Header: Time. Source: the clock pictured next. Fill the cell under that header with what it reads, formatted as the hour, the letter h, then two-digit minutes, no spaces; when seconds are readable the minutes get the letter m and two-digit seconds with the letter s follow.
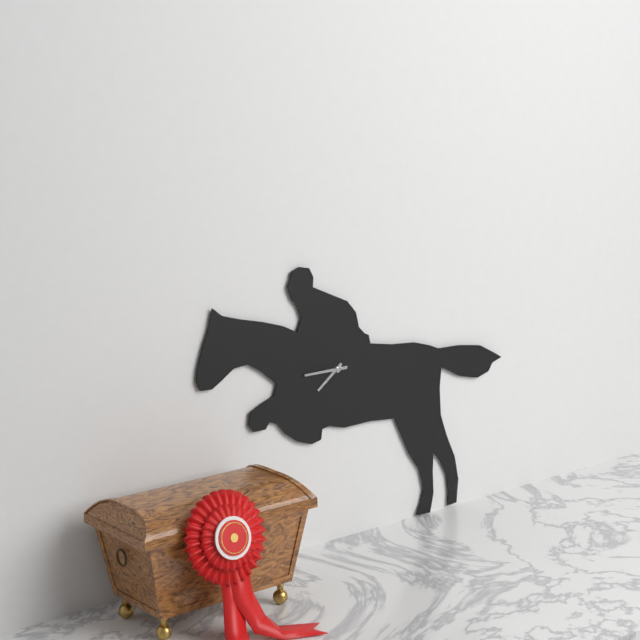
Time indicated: 7h45
